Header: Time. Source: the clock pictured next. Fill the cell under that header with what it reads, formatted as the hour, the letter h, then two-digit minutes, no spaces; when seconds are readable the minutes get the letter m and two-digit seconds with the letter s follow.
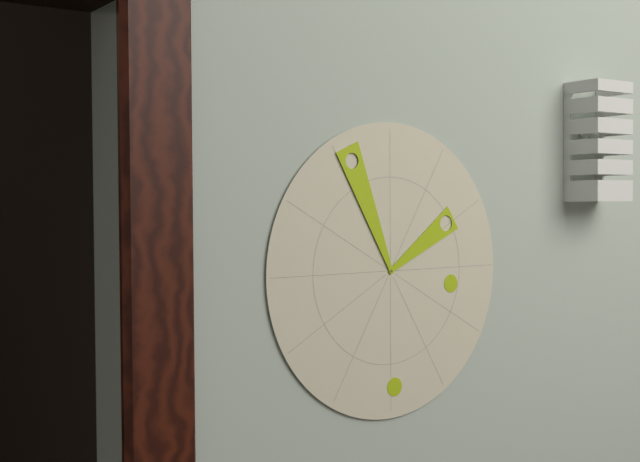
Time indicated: 1h56
